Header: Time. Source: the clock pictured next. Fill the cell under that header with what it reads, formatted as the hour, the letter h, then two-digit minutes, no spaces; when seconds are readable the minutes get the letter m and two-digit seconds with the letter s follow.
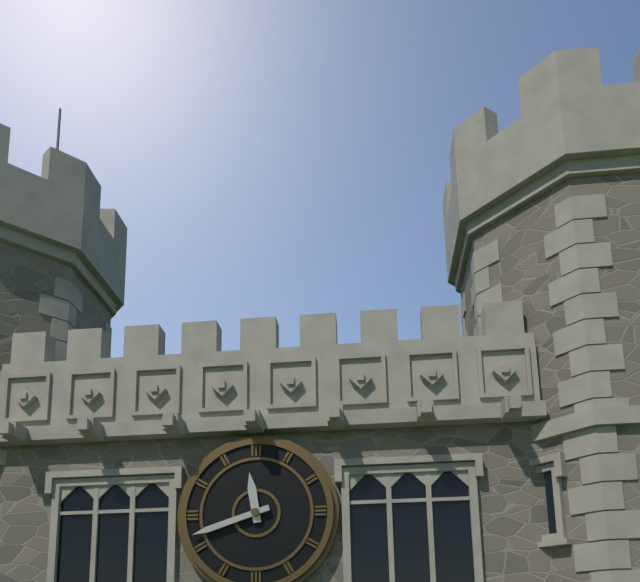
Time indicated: 11h42
